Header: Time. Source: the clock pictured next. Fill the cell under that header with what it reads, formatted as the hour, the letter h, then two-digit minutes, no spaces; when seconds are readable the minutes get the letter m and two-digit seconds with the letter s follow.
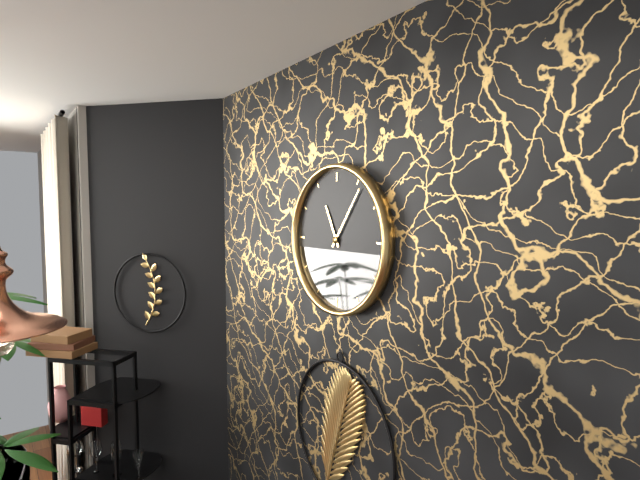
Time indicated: 11h06
